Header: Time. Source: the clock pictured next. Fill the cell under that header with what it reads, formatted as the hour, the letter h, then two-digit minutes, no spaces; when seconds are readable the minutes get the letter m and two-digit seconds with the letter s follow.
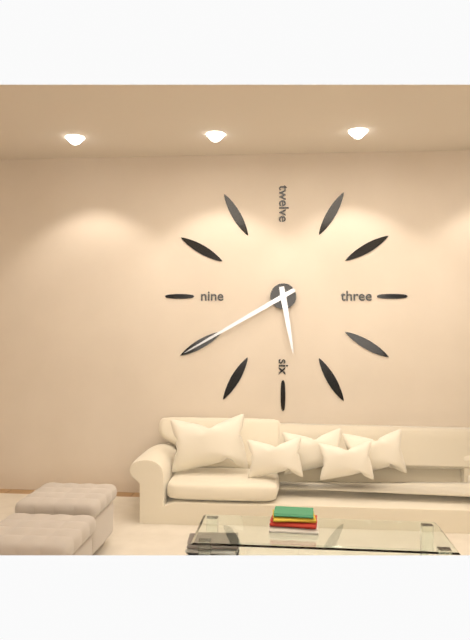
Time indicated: 5h40
